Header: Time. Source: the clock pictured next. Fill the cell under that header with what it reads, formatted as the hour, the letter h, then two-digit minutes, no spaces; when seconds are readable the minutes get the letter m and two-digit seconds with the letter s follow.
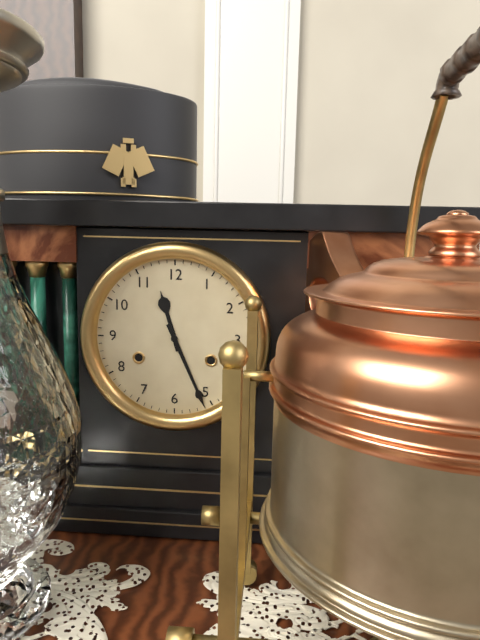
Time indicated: 11h26
